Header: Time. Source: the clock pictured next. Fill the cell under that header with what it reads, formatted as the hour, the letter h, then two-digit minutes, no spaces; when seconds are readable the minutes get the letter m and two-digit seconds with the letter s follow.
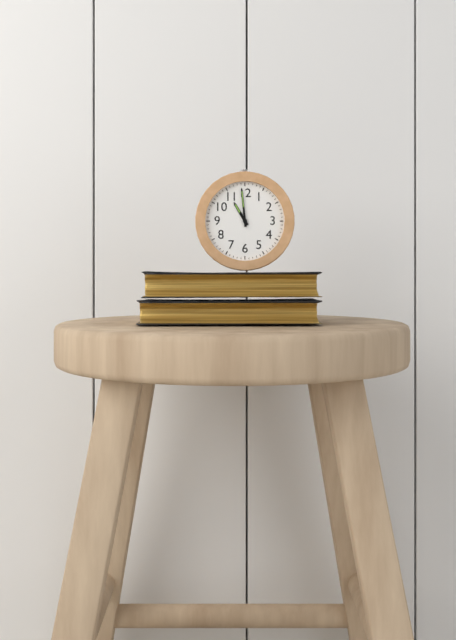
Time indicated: 10h59
